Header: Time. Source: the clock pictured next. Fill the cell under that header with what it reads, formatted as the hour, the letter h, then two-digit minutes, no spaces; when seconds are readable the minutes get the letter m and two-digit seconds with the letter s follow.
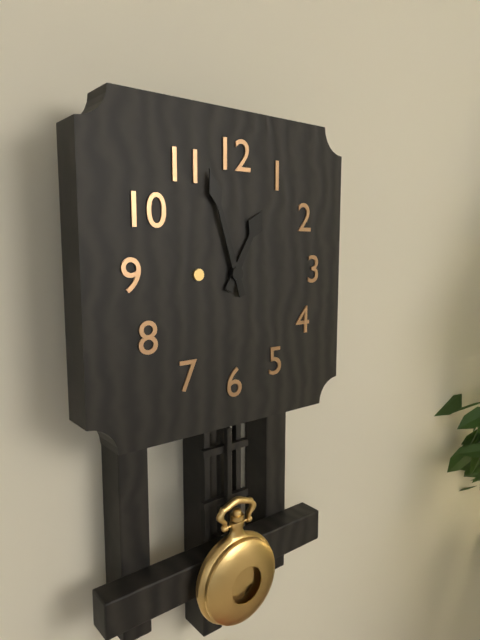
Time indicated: 12h57
